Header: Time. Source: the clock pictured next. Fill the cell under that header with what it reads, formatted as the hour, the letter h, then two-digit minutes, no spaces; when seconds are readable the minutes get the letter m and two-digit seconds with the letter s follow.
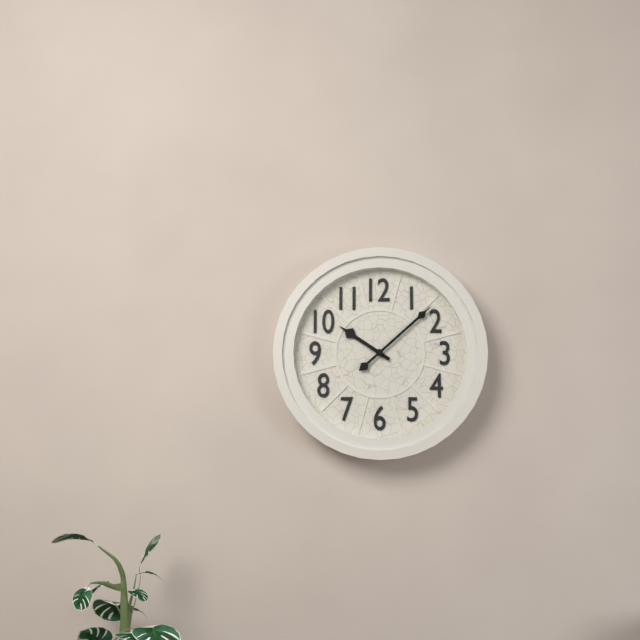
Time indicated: 10h08
